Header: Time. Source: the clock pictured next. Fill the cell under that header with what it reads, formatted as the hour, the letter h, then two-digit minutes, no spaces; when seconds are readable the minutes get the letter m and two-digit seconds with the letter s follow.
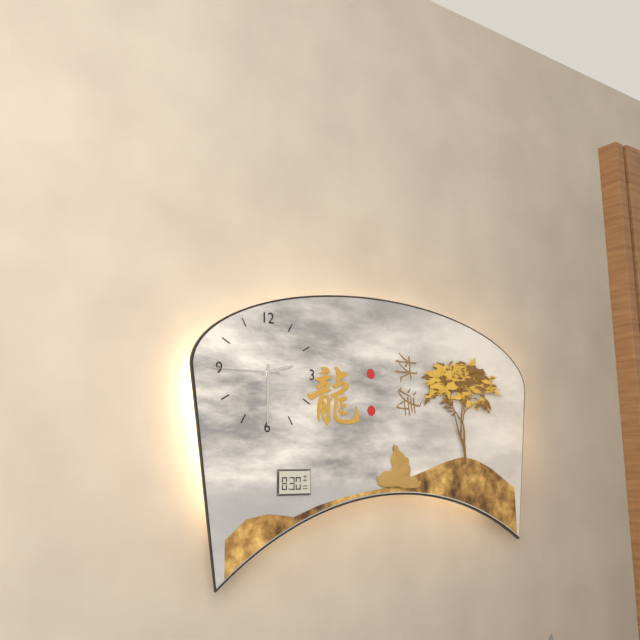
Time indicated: 2h30m45s
